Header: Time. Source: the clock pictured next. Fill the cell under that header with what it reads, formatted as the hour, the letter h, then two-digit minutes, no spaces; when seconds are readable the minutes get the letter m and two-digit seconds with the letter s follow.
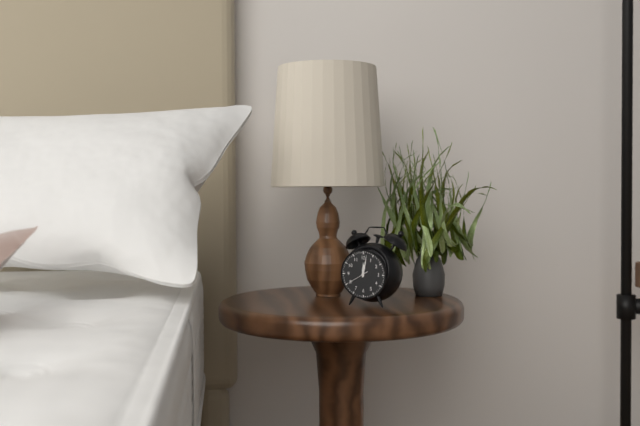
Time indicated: 12h02
